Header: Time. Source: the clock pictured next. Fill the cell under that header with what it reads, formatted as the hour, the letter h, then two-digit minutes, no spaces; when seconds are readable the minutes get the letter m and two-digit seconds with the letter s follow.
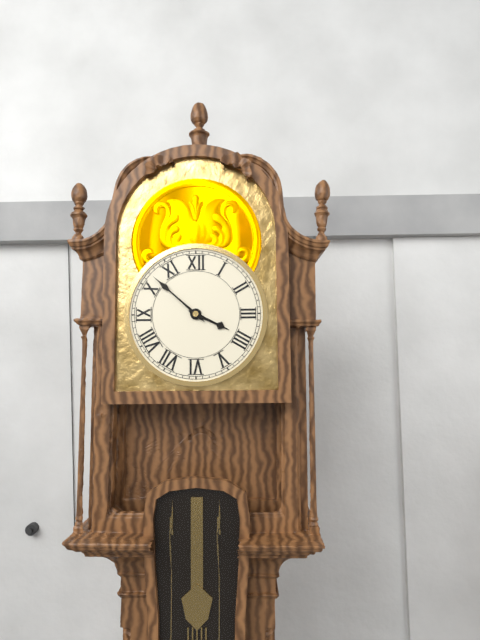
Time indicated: 3h52
